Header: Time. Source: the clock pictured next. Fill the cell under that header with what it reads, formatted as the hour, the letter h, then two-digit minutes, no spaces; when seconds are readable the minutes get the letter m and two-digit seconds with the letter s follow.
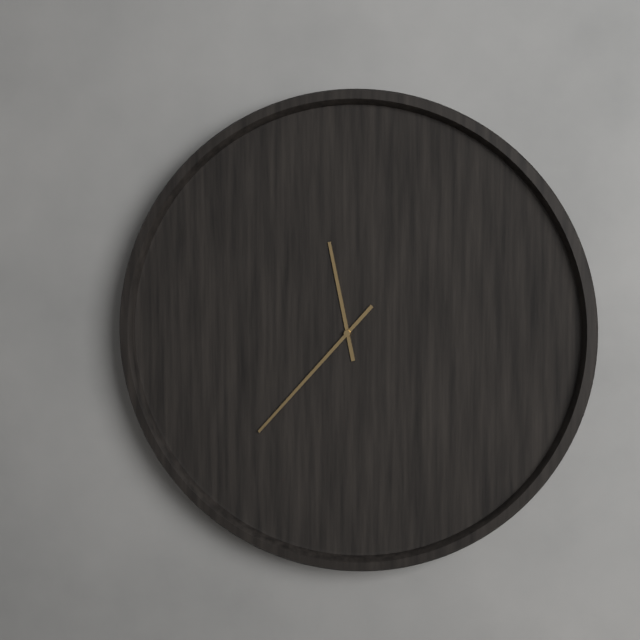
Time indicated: 11h37
